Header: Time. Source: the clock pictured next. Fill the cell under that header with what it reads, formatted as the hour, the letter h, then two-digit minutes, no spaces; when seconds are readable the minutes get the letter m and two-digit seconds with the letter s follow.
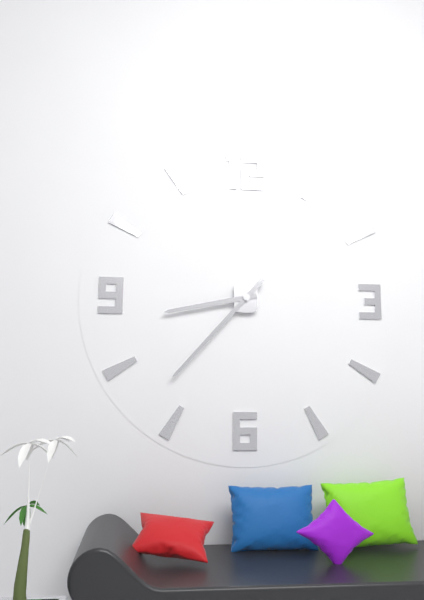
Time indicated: 8h37
